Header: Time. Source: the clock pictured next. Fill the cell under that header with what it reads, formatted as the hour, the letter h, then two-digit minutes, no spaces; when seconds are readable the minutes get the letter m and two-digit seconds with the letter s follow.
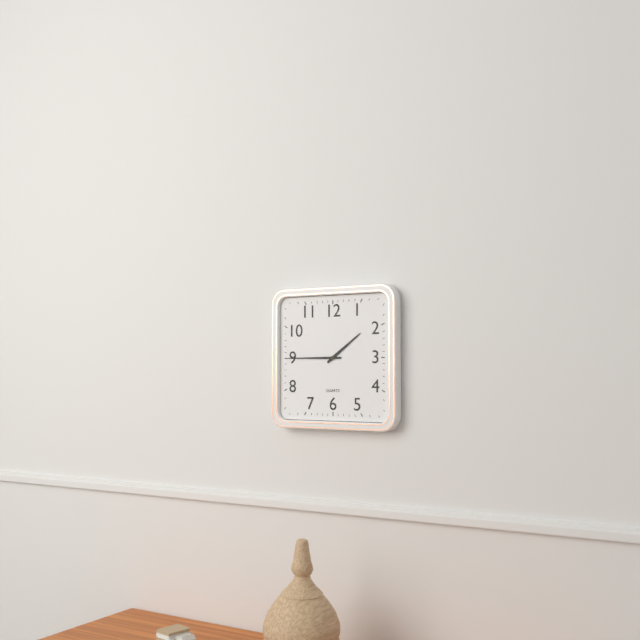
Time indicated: 1h45
